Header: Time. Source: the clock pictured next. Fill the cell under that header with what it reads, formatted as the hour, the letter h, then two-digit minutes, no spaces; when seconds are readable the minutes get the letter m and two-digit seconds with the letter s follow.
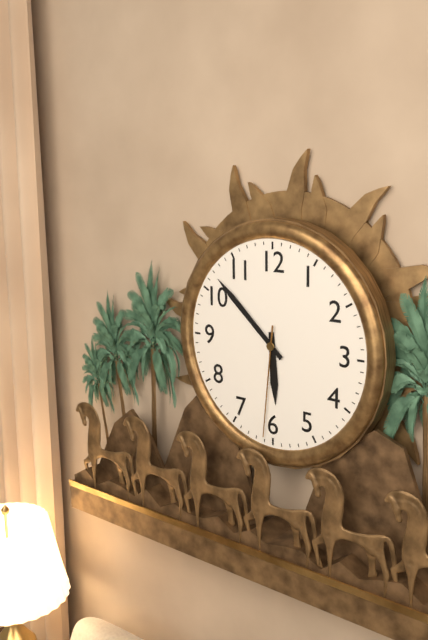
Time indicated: 5h52m31s
